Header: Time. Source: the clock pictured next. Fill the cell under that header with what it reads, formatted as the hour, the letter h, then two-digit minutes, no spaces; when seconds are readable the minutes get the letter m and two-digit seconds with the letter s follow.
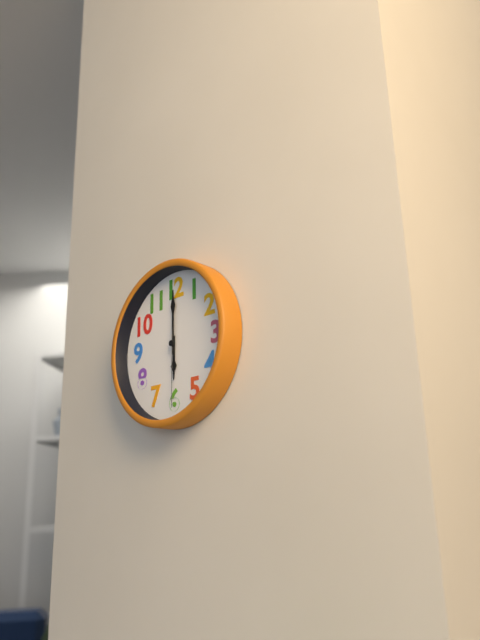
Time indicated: 6h00m30s
